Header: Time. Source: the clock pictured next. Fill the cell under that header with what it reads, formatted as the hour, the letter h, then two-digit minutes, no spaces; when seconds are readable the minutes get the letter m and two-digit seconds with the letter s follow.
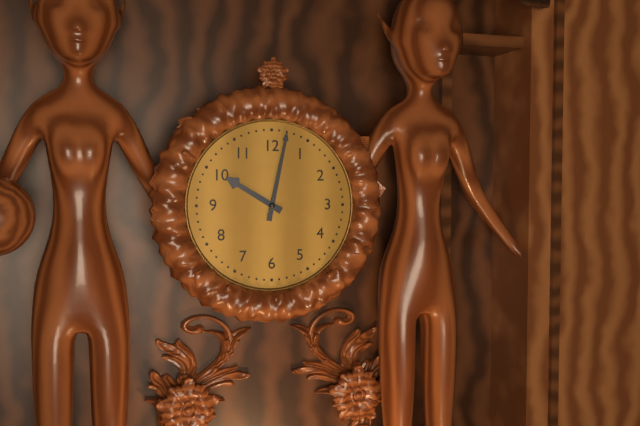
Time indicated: 10h02
